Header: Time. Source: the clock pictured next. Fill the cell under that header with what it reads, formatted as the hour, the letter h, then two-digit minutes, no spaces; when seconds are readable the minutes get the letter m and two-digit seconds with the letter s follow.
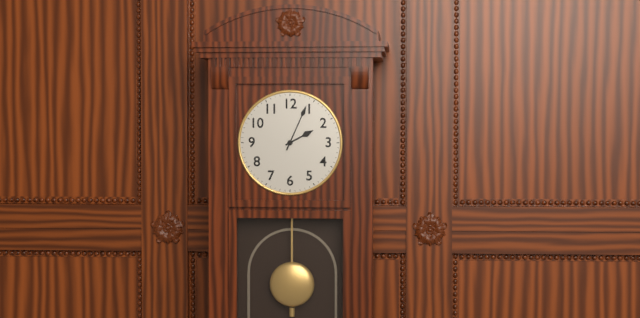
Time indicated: 2h04
